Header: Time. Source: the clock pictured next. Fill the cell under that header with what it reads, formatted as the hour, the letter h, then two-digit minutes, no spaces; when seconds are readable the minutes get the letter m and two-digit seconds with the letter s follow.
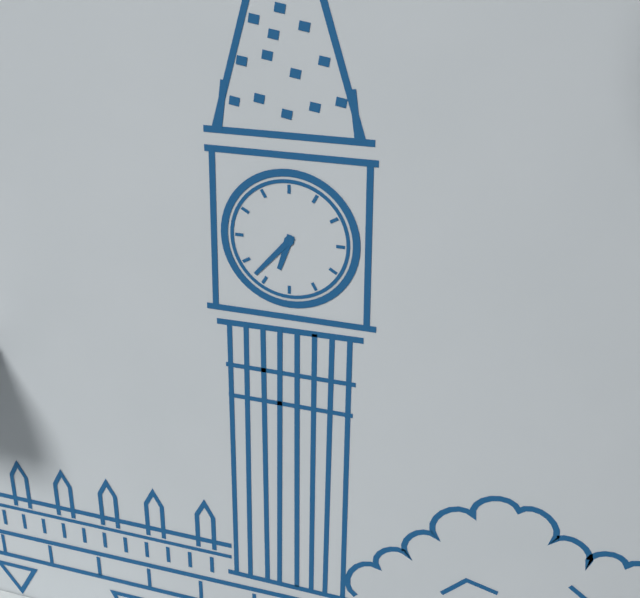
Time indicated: 6h37
